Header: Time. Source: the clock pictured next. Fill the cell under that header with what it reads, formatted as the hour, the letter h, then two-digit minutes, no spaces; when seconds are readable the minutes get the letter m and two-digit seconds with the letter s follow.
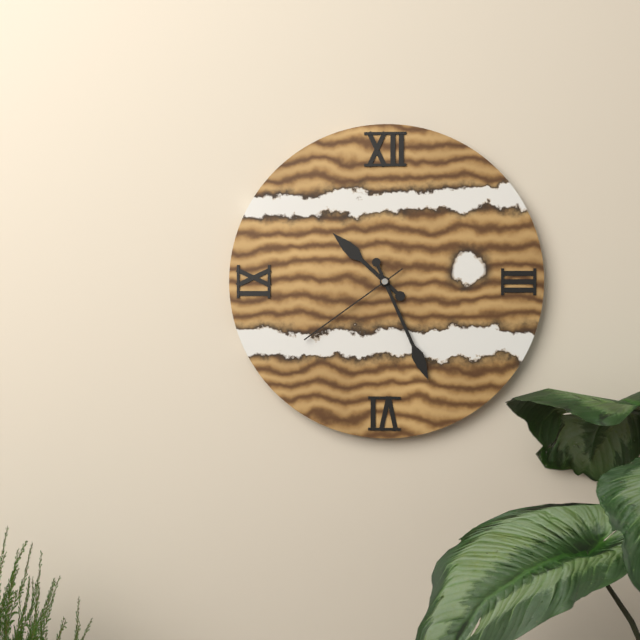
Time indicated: 10h26m39s
